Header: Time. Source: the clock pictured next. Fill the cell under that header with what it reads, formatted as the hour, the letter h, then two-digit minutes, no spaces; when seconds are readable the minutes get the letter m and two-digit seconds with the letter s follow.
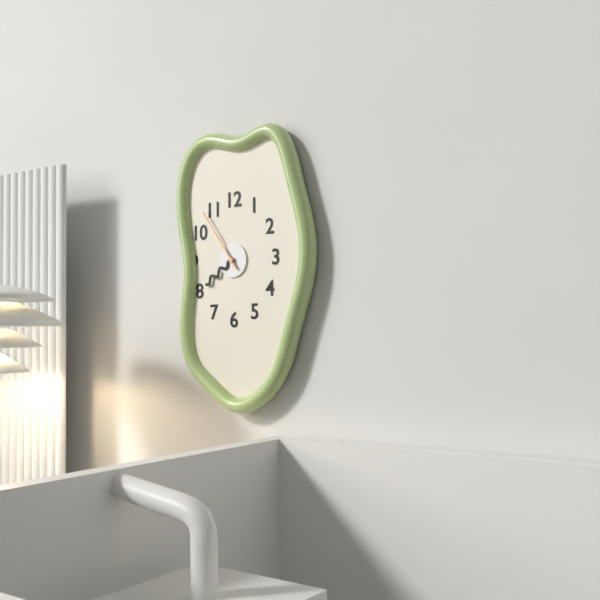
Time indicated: 7h54
